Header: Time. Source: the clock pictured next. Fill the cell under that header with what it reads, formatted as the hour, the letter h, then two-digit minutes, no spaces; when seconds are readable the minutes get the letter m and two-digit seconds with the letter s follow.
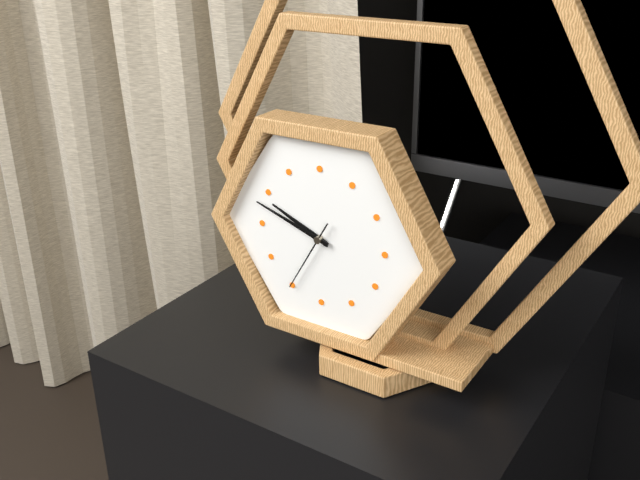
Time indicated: 9h48m35s
